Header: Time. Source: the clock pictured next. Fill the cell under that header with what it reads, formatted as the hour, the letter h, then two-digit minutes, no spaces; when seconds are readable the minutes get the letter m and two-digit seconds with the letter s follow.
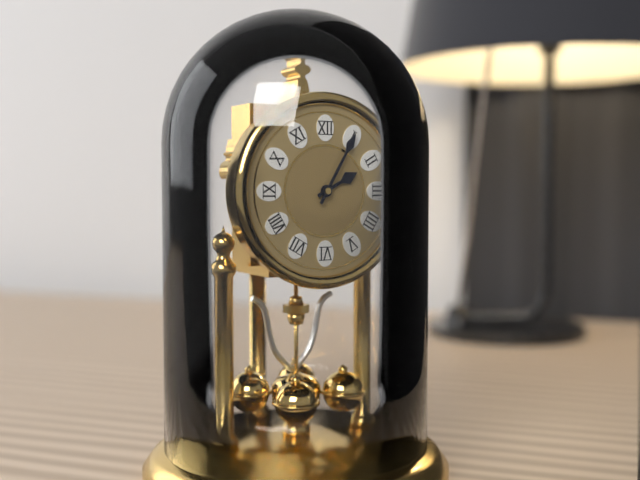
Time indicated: 2h05
